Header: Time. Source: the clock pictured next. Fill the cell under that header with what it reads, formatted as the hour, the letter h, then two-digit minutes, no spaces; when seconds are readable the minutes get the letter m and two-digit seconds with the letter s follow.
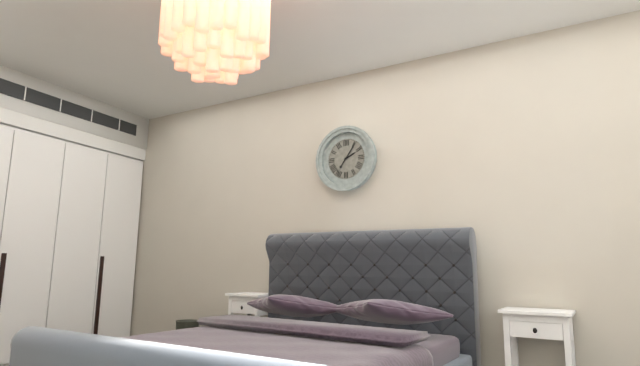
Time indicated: 2h06
